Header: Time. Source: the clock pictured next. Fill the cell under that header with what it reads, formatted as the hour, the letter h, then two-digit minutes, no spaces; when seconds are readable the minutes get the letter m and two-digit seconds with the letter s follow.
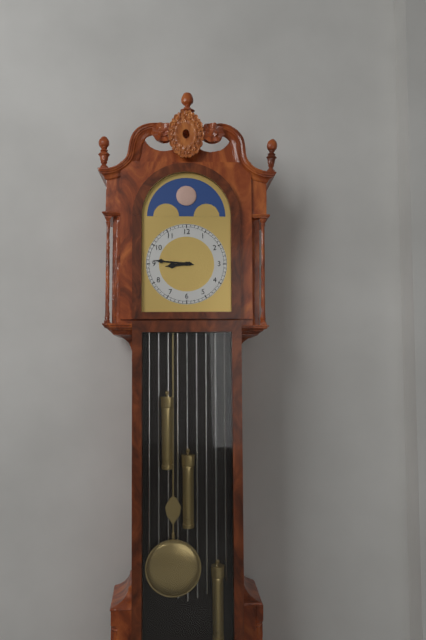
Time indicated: 8h46
